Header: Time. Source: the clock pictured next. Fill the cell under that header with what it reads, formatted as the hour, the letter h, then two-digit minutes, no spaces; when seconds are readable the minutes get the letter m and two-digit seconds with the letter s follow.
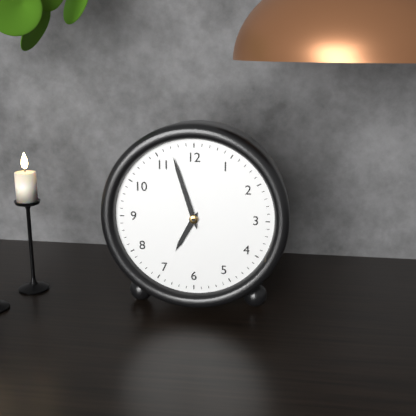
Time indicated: 6h57
